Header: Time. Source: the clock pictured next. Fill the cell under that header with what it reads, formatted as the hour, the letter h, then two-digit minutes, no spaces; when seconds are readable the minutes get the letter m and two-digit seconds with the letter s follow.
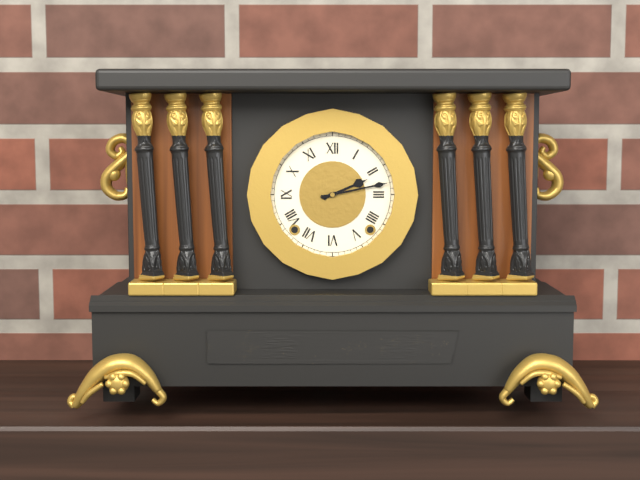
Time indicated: 2h13
